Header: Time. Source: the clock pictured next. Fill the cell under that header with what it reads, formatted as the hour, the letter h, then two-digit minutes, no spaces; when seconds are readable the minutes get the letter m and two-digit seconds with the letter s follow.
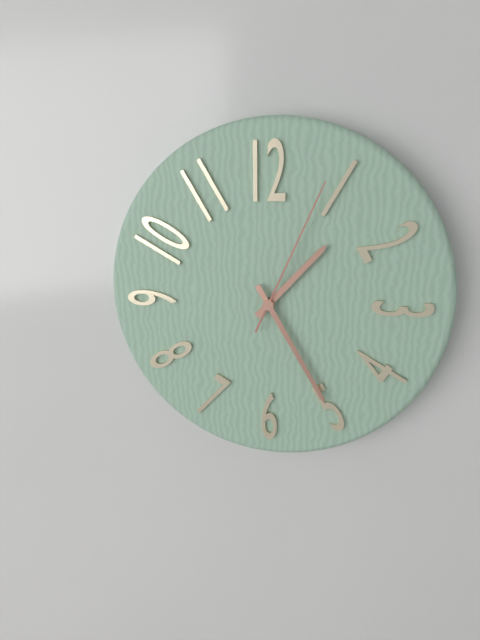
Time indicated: 1h25m04s
